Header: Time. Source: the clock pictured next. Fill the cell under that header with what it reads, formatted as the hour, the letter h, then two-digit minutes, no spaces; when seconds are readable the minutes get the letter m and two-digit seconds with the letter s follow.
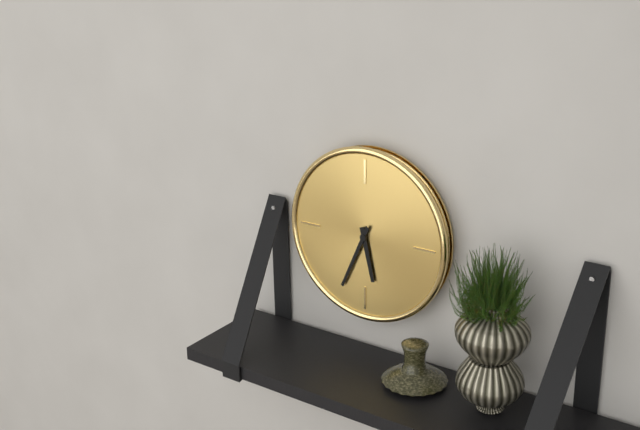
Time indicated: 5h34
